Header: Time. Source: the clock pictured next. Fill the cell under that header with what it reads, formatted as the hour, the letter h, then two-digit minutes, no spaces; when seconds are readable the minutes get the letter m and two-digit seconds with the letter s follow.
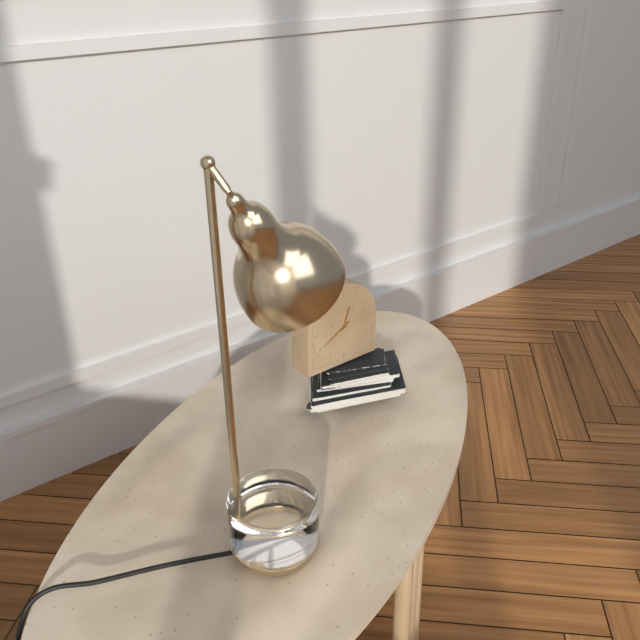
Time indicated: 12h40
